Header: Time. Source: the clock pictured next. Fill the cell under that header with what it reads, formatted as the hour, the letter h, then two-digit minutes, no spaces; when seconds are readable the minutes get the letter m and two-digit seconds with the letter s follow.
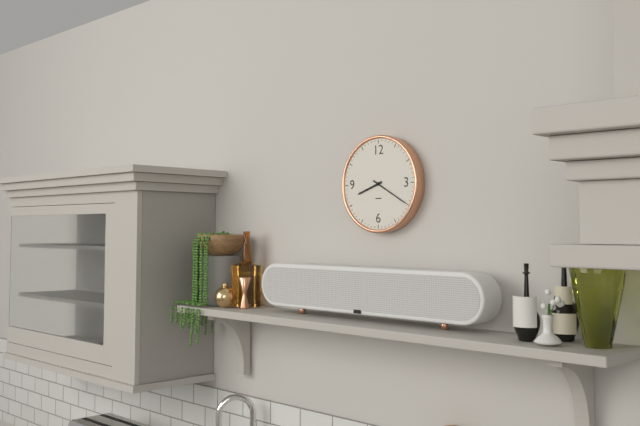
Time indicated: 8h20
